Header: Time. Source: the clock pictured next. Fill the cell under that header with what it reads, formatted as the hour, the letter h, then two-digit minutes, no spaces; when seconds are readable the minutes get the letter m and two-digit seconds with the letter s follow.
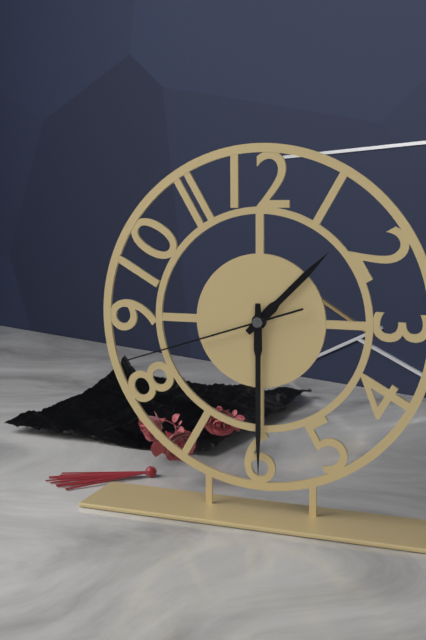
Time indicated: 1h30m42s
